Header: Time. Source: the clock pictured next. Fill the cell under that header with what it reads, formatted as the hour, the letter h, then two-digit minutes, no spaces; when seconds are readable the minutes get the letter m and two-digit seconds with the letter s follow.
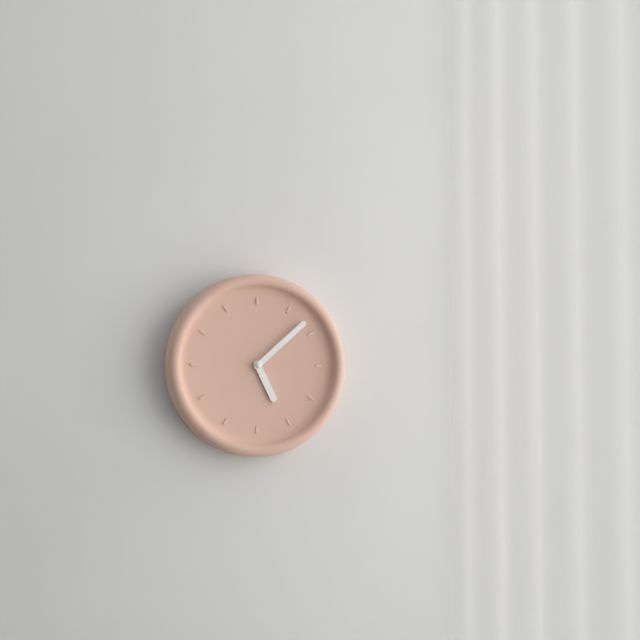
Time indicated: 5h08
